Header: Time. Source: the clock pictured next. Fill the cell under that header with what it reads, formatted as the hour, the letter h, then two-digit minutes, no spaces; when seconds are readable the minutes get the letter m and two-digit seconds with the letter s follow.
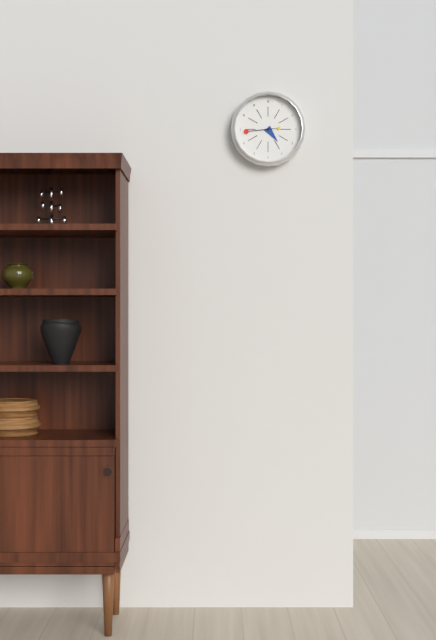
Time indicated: 4h44
